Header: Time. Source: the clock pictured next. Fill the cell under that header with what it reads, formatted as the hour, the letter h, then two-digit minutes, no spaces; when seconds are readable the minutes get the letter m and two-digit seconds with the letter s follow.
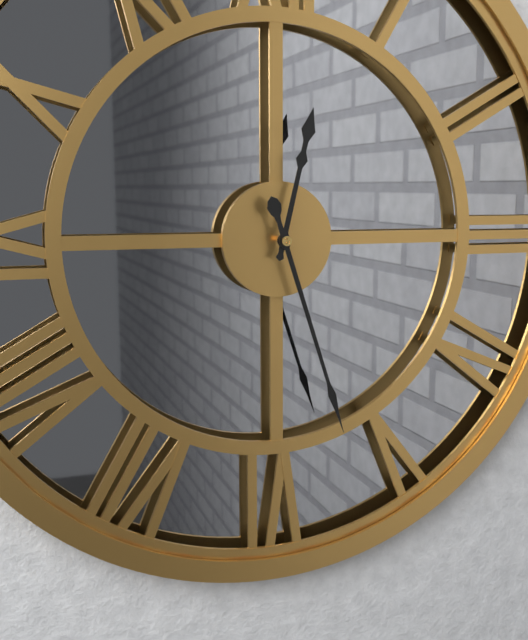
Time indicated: 12h27
